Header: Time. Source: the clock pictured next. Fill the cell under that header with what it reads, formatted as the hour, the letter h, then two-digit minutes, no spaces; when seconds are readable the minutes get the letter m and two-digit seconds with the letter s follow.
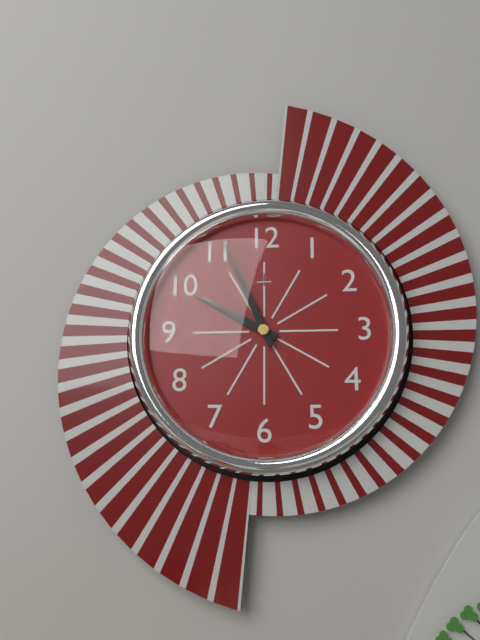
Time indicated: 9h56
